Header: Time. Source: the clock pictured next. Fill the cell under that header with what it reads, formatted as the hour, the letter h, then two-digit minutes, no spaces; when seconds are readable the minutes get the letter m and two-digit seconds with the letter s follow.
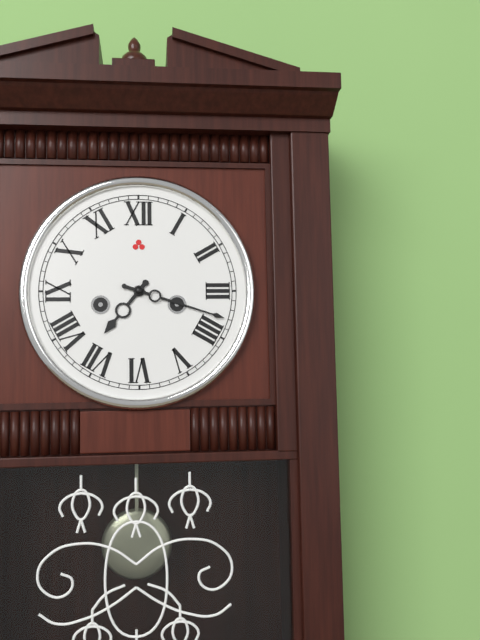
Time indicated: 7h18
